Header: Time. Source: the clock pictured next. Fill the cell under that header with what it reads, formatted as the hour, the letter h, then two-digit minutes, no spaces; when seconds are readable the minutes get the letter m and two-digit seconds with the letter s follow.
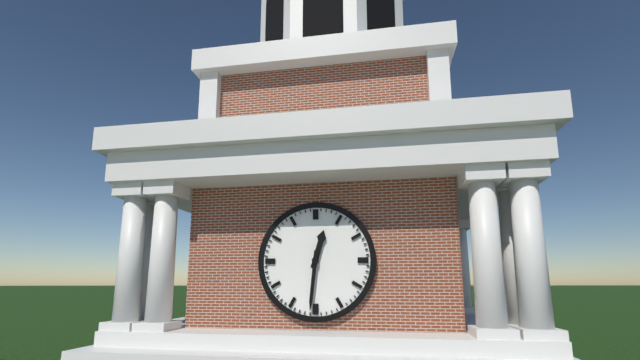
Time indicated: 12h31
